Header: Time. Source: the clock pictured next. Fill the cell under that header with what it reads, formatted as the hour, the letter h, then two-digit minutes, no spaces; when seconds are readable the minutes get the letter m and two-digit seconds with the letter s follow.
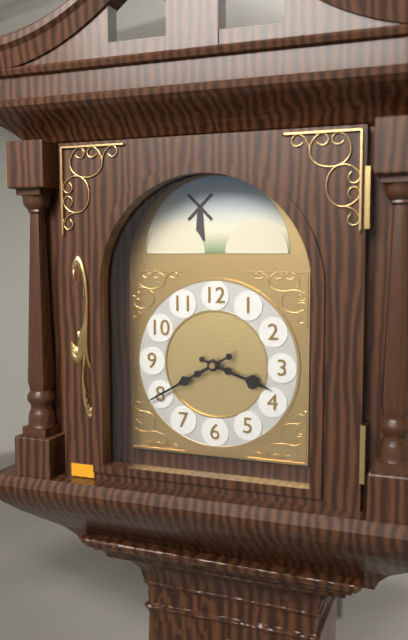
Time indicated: 3h40
